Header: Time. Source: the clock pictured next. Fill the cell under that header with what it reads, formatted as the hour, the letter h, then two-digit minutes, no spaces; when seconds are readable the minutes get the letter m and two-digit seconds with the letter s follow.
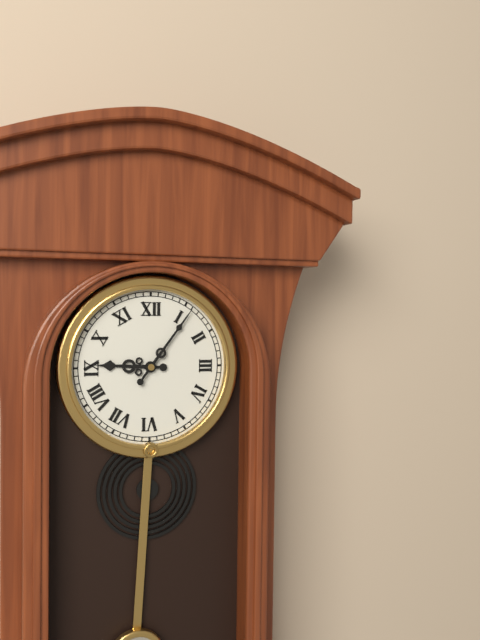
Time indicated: 9h06
